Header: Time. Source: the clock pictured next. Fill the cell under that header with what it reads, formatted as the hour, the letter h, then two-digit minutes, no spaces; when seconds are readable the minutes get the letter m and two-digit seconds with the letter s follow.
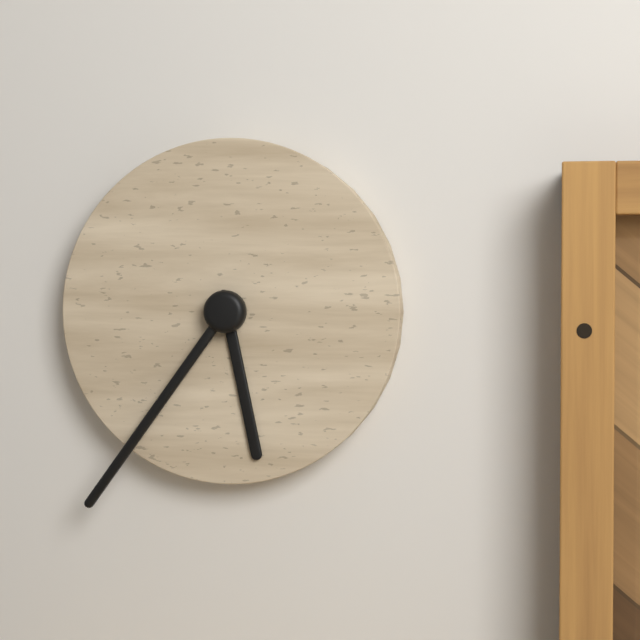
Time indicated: 5h36
